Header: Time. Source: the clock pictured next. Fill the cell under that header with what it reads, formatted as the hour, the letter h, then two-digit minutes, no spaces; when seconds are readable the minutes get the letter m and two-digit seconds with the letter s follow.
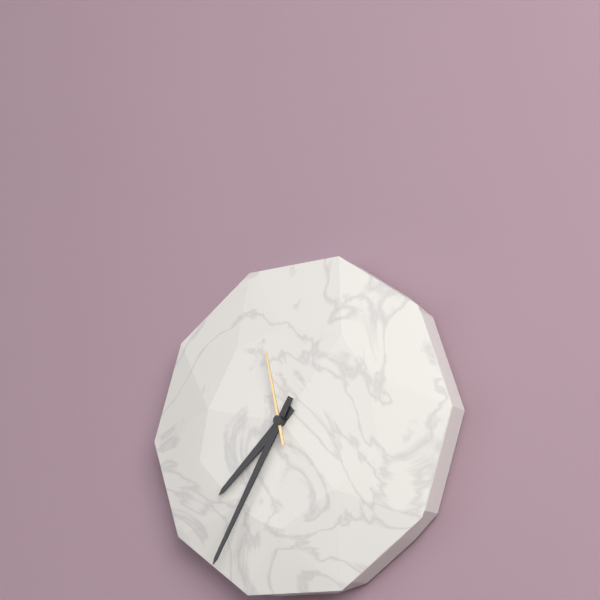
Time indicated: 7h35m58s
